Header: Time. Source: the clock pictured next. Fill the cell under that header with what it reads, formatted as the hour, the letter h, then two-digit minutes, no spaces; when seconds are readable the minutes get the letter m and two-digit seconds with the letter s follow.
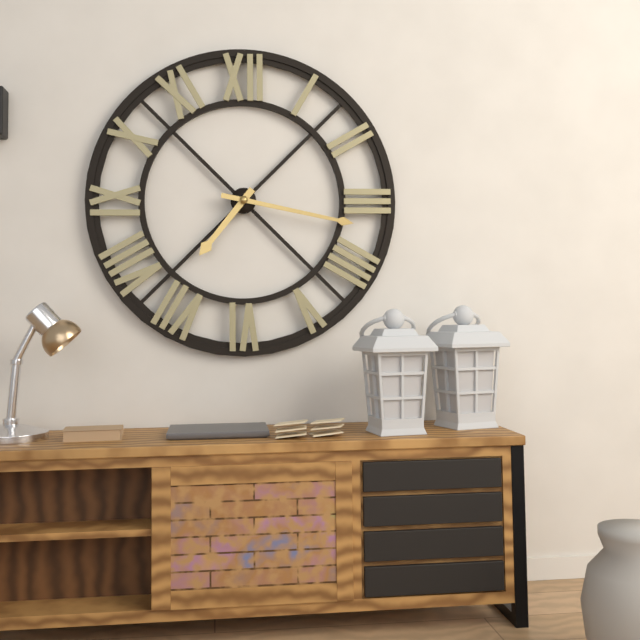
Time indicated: 7h17
